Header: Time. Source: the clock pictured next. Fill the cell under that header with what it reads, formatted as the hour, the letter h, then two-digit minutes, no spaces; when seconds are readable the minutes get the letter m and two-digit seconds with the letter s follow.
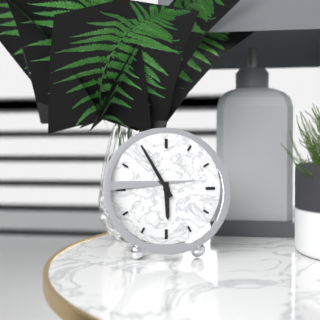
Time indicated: 5h55
